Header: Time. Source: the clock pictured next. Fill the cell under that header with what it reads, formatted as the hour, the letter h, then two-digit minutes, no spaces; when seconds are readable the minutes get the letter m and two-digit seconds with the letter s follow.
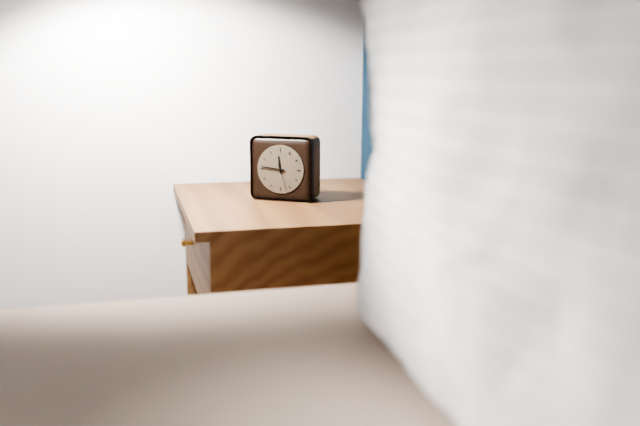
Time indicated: 11h46
